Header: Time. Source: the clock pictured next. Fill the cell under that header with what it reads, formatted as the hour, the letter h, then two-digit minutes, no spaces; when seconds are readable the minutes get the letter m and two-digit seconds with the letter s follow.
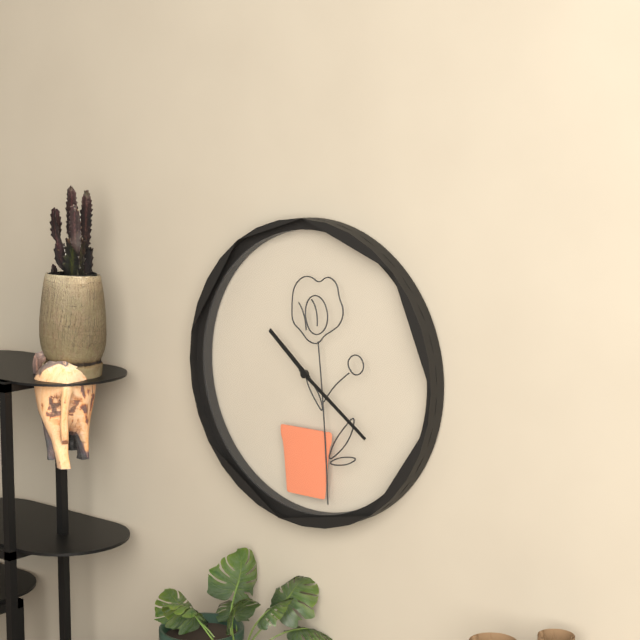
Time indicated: 10h21
